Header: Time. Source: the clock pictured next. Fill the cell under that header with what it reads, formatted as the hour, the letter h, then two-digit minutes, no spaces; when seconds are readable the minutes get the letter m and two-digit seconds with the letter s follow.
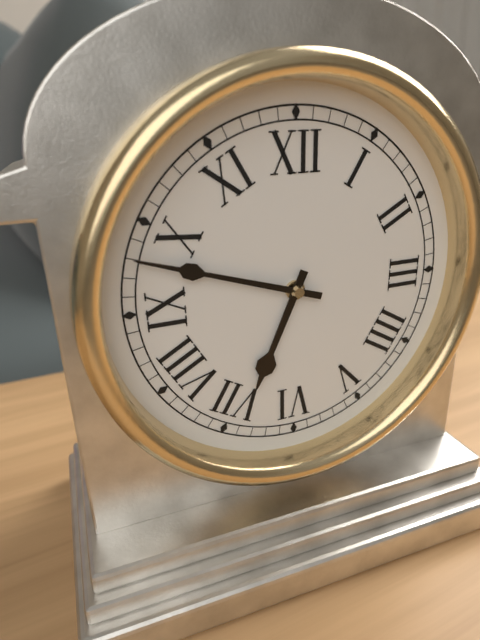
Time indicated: 6h48
